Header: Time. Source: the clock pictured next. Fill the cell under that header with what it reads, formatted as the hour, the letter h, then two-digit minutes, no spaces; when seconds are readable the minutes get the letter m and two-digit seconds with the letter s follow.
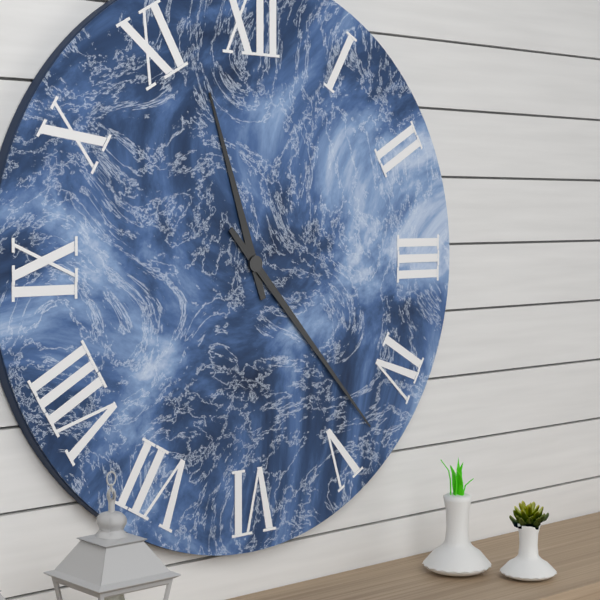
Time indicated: 11h23
